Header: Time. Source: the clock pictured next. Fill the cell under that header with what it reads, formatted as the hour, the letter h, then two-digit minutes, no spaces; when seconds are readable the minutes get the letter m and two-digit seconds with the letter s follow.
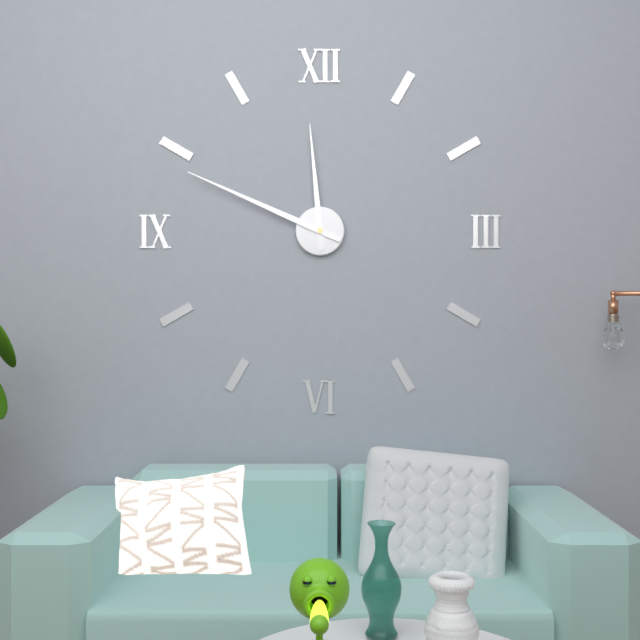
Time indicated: 11h49
